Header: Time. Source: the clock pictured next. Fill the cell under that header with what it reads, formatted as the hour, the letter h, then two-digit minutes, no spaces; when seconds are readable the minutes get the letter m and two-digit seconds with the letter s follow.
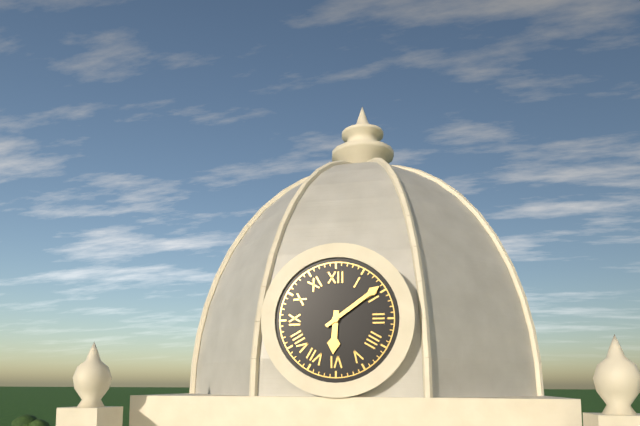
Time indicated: 6h09
